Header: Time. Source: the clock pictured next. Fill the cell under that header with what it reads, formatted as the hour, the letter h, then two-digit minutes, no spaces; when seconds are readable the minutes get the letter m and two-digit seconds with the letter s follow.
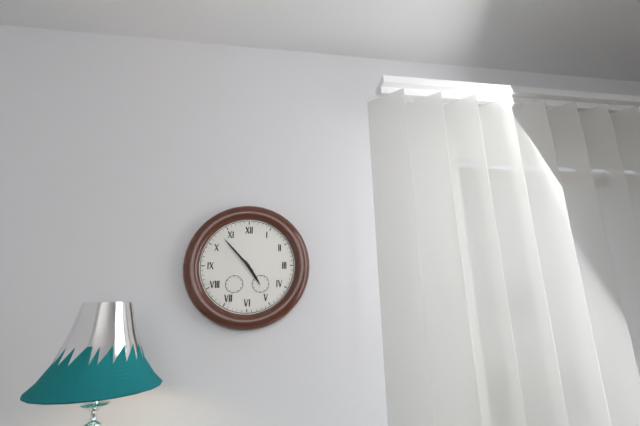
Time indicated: 4h53
